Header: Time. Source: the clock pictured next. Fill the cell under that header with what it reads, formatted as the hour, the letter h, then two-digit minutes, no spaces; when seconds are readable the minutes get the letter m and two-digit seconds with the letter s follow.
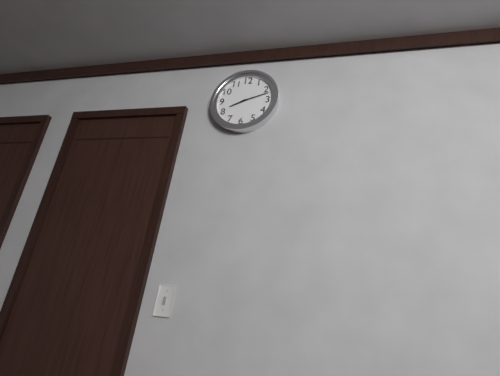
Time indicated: 8h12
